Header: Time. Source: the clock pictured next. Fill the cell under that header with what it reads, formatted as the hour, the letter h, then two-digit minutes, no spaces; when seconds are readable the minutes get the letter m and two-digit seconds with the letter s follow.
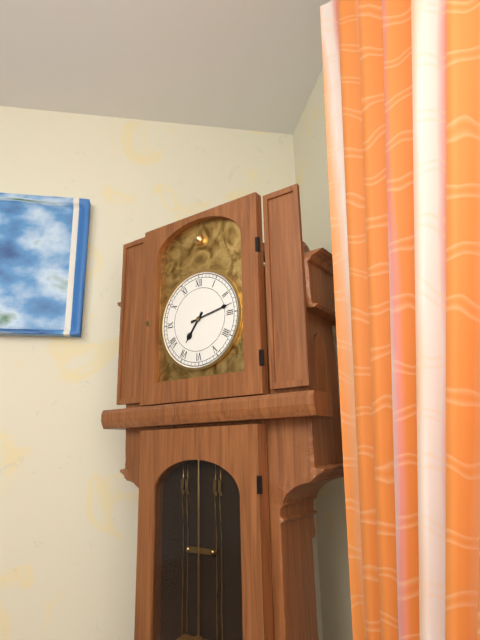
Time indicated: 7h13
